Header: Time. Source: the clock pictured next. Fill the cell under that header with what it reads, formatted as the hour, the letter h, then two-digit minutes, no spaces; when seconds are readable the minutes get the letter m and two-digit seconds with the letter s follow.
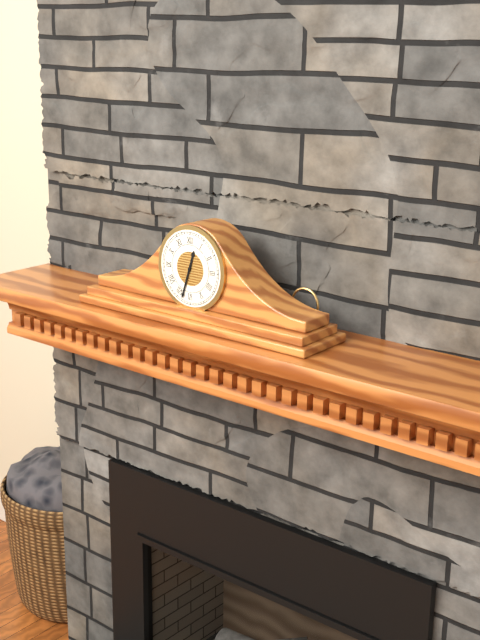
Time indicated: 12h33
